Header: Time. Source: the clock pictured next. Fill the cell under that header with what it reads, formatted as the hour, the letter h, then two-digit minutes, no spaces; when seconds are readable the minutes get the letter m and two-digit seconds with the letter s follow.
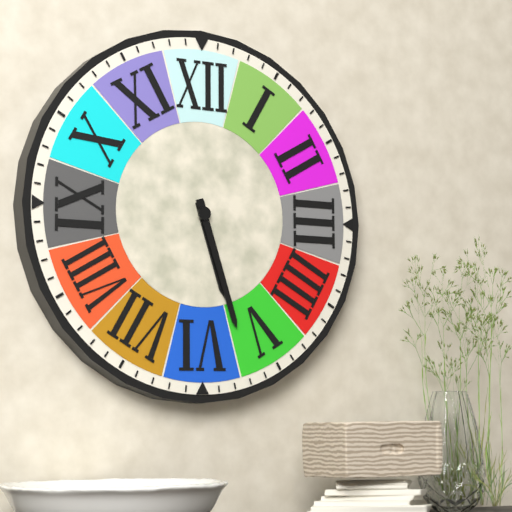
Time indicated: 5h27
